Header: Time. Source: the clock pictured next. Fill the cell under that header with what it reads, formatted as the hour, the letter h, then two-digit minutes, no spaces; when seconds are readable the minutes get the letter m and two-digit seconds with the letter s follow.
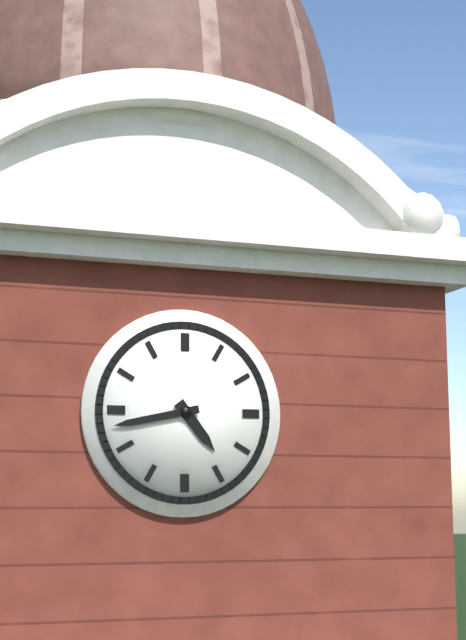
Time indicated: 4h43
